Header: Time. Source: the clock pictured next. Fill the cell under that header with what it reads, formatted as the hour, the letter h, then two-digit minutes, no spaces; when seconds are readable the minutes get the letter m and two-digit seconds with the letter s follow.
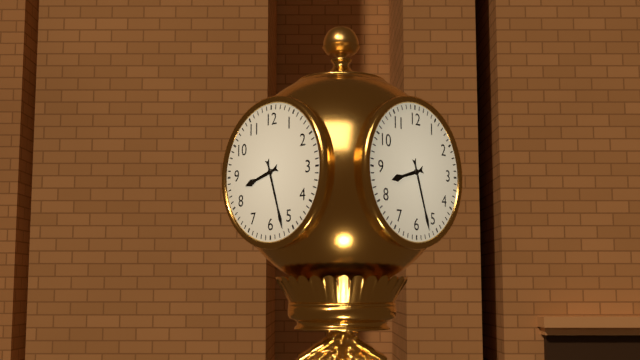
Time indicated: 8h27
